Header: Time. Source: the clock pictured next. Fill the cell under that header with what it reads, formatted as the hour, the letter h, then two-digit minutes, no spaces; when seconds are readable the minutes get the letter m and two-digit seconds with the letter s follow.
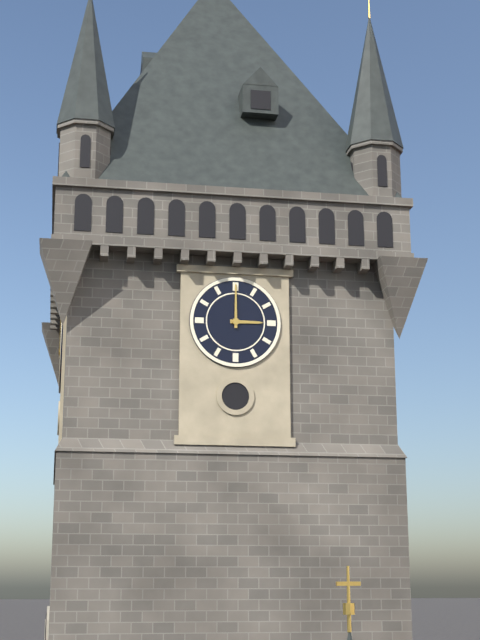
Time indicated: 3h00
